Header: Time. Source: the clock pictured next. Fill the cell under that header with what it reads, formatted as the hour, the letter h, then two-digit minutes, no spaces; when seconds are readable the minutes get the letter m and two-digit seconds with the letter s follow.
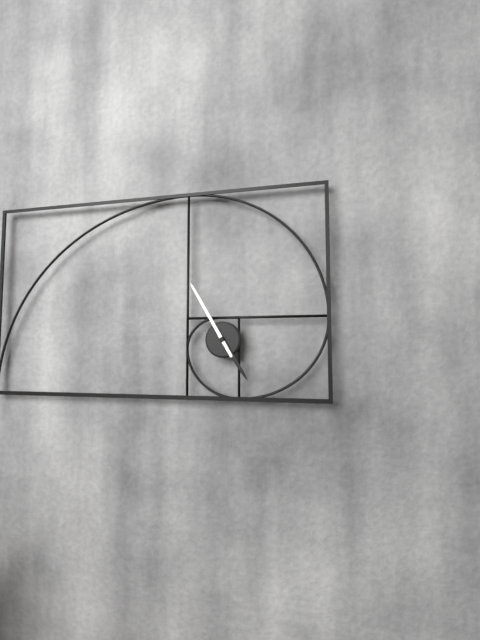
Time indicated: 4h55
